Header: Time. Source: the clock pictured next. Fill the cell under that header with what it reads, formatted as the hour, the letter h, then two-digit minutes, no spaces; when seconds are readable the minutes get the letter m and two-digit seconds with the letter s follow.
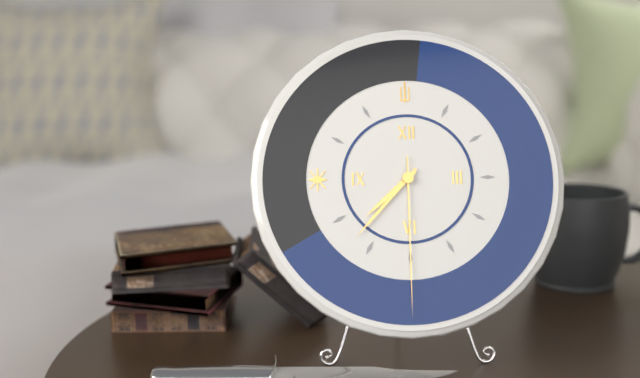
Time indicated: 7h37m30s
